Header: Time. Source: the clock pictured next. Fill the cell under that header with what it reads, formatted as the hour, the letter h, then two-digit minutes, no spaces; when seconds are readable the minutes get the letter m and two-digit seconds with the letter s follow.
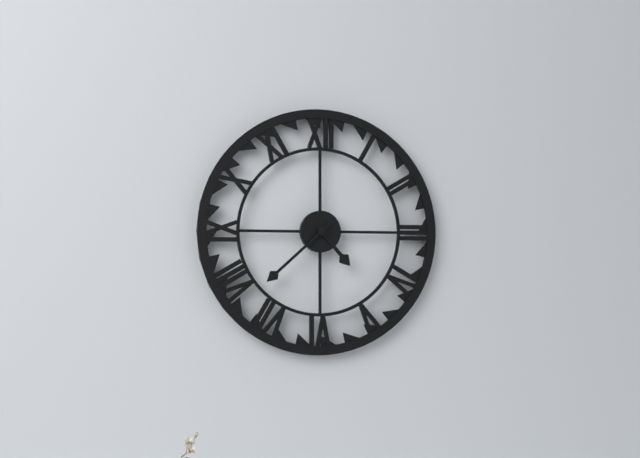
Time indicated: 4h38
